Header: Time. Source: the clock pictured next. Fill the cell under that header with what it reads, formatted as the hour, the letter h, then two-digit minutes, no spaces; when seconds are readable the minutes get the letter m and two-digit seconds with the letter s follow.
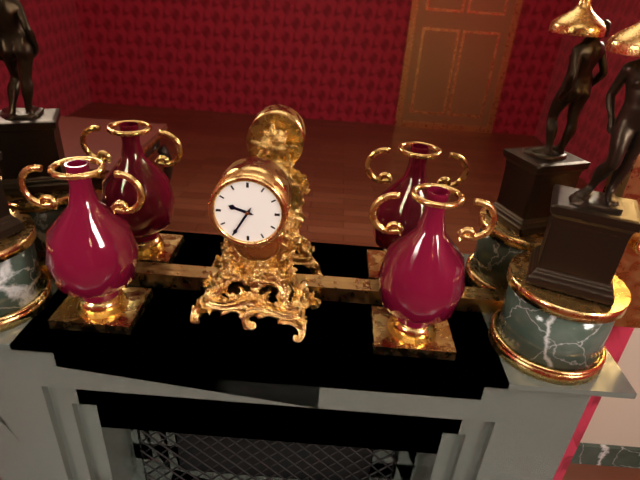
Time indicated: 9h35
